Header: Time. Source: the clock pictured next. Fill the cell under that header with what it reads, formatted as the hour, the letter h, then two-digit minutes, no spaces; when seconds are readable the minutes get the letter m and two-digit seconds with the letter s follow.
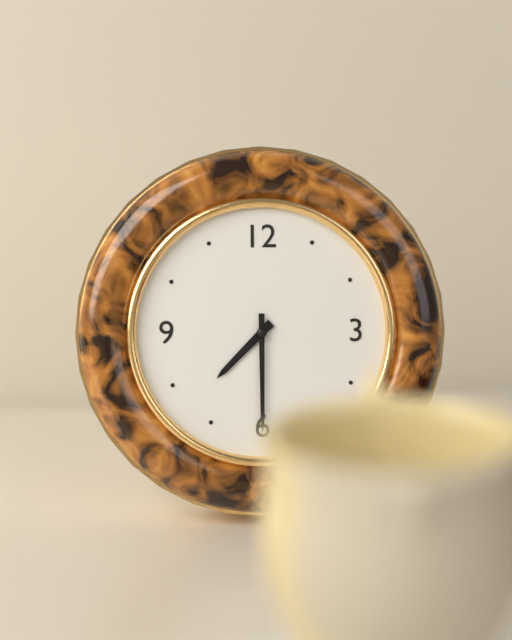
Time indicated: 7h30
